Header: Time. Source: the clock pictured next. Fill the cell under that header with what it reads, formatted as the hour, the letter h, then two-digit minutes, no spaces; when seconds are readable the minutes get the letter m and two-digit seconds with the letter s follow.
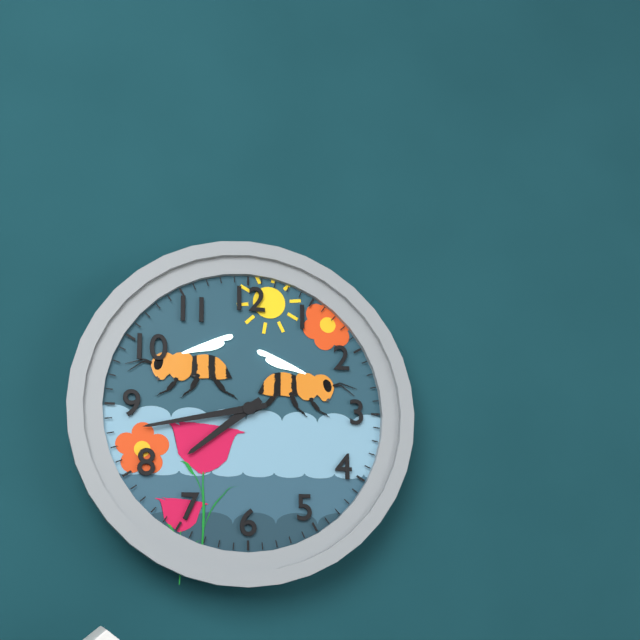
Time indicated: 7h43
